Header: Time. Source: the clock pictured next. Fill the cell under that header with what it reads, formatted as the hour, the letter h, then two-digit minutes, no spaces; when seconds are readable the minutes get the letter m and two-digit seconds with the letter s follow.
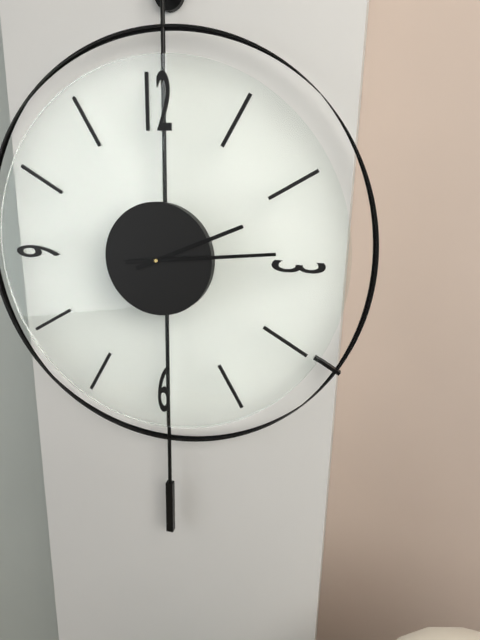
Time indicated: 2h14
